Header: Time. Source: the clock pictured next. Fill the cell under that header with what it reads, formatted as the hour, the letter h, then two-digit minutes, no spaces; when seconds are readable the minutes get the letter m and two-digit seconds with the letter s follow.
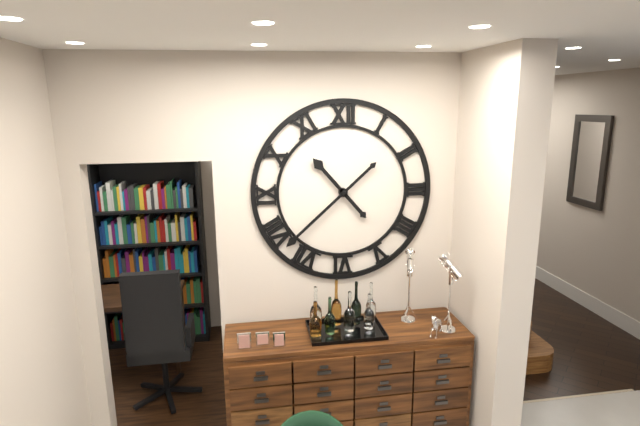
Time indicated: 10h38
